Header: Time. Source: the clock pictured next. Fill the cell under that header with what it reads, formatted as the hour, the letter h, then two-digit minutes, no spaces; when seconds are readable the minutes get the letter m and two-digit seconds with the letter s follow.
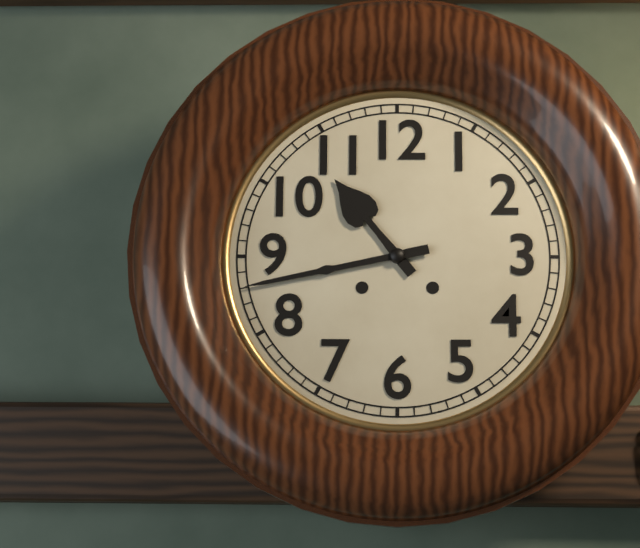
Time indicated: 10h43
